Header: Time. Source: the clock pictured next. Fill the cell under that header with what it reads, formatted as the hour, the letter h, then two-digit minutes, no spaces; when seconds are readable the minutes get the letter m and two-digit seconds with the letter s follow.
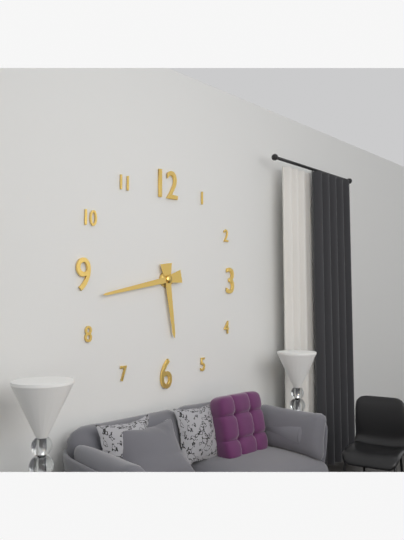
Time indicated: 5h43
